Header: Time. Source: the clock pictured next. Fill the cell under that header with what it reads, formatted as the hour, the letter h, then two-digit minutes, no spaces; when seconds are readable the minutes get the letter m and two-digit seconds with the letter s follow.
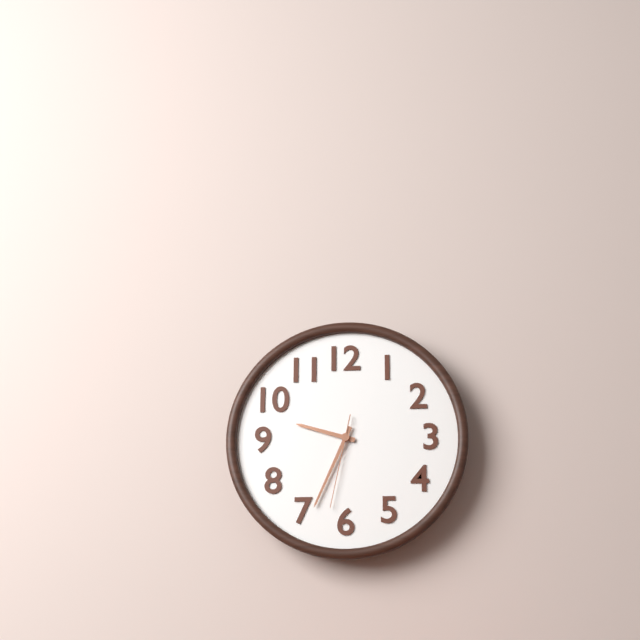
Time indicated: 9h34m32s
